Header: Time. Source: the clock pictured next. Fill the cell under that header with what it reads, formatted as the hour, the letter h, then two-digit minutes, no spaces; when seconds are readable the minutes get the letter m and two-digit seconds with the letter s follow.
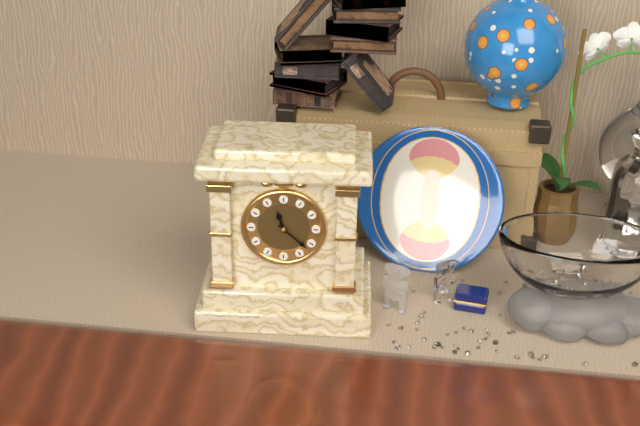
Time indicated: 11h22
